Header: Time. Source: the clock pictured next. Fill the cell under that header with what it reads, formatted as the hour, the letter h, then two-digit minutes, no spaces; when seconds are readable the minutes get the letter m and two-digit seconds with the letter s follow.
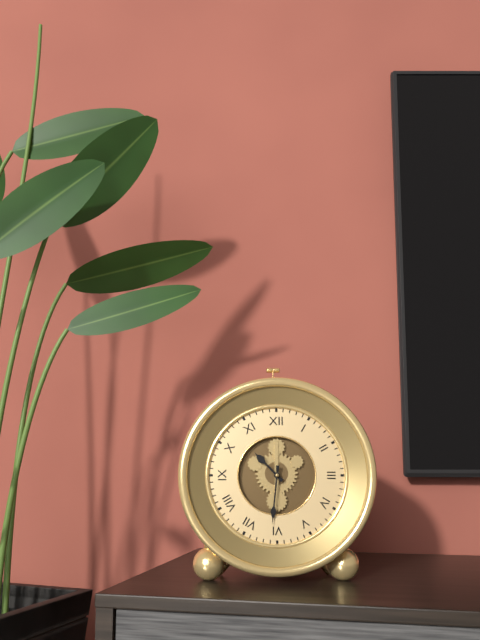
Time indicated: 10h31
